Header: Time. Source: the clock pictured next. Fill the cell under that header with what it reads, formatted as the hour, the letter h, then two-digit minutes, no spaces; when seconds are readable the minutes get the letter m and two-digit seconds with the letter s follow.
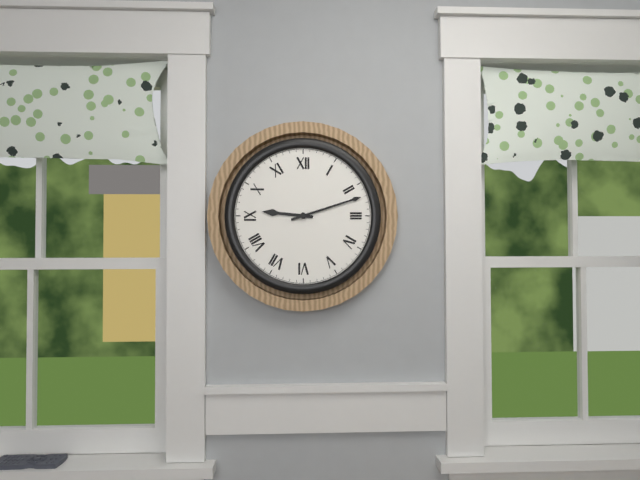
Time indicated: 9h12
